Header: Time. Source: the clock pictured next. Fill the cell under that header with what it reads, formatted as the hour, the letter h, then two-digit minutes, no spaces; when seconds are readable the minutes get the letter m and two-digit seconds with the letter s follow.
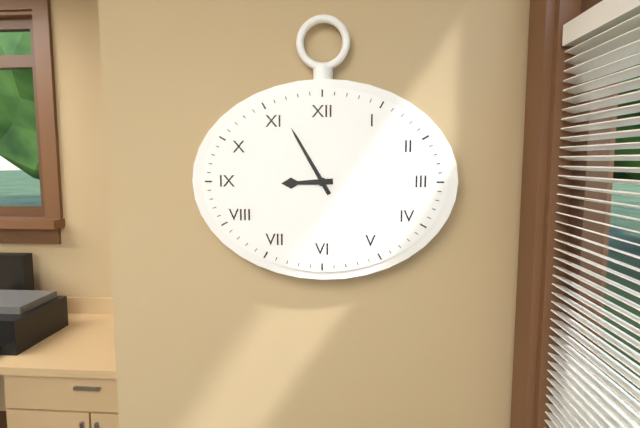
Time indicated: 8h55
